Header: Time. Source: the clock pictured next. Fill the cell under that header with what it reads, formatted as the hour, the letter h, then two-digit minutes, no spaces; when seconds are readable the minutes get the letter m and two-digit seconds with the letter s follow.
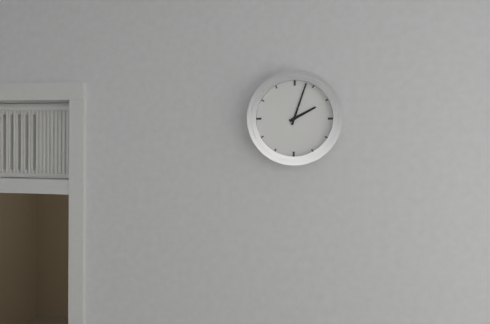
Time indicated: 2h03
